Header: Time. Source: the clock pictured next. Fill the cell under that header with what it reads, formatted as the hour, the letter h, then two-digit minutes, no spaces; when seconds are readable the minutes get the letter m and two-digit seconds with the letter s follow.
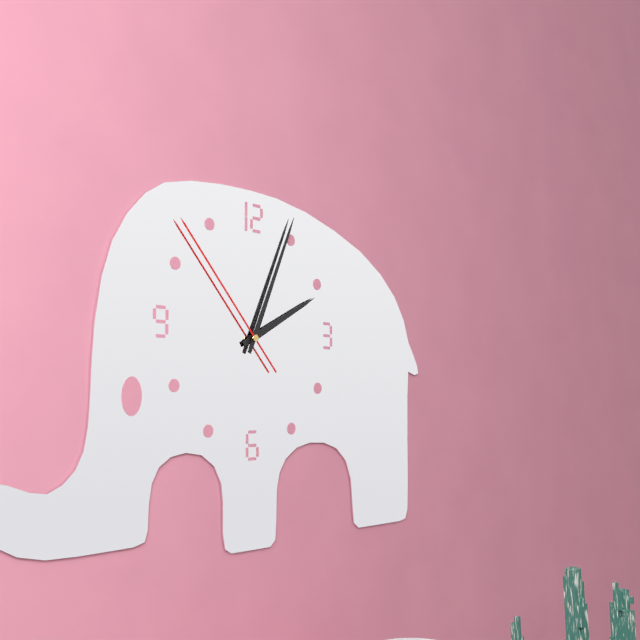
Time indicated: 2h04m53s
